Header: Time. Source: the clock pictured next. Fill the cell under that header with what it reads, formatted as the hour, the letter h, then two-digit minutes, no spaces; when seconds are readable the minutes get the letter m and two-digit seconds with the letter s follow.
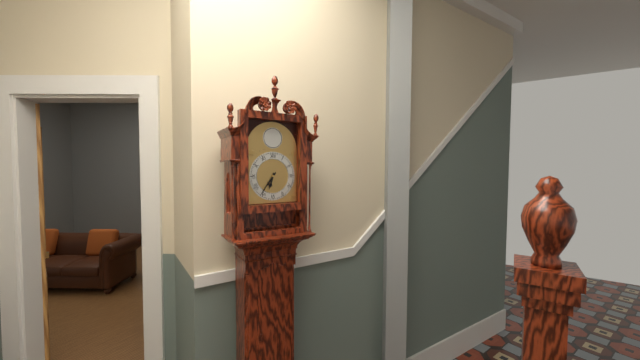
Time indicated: 6h36
